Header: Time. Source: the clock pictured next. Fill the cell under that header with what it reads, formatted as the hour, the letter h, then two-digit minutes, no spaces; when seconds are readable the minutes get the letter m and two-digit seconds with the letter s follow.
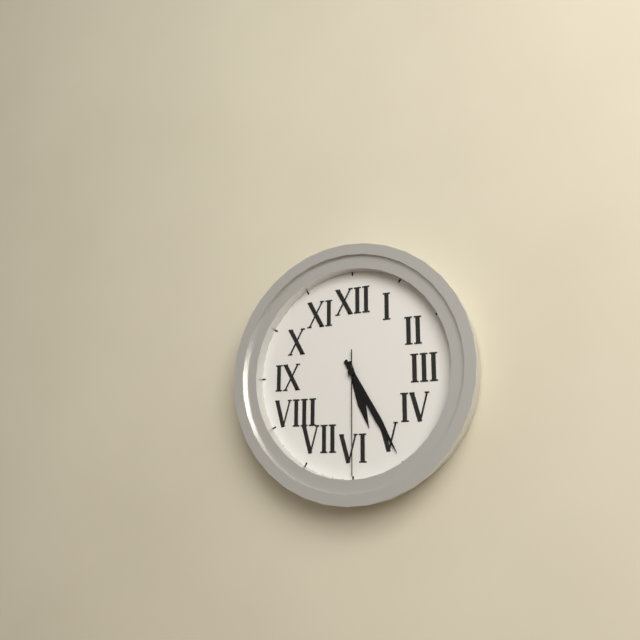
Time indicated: 5h25m30s
